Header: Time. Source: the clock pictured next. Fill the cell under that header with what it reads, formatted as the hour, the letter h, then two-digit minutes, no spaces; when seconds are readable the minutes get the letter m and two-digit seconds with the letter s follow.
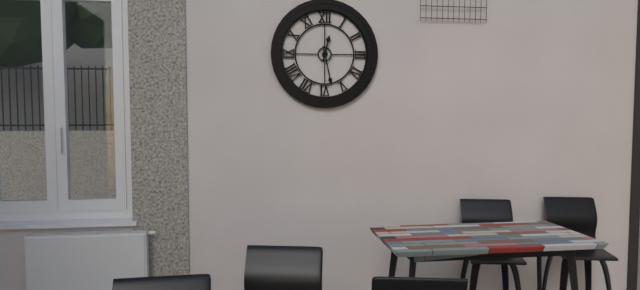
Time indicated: 12h28
